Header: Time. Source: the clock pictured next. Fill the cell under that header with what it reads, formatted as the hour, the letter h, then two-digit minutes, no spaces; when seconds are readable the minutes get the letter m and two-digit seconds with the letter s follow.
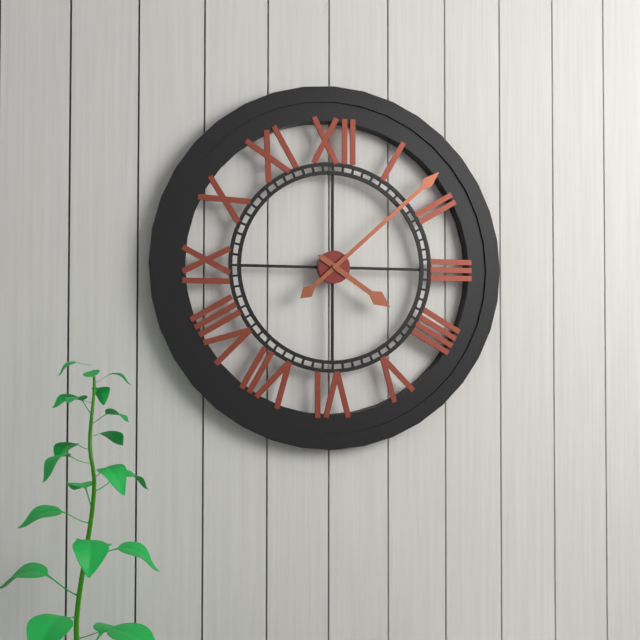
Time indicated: 4h08
